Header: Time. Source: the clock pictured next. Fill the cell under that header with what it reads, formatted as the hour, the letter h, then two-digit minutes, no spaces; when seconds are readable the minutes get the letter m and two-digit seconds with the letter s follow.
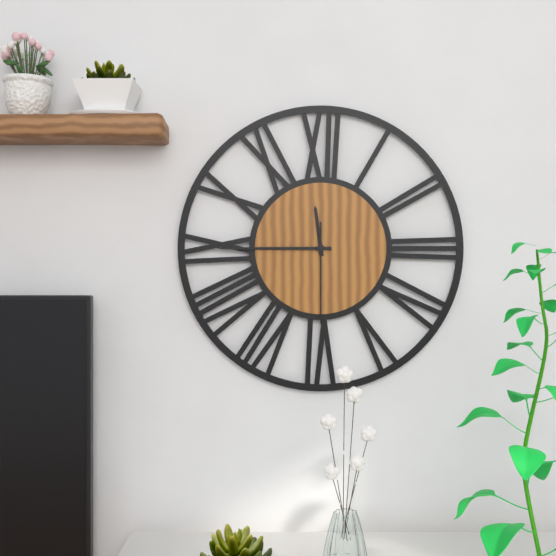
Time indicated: 11h45m30s
